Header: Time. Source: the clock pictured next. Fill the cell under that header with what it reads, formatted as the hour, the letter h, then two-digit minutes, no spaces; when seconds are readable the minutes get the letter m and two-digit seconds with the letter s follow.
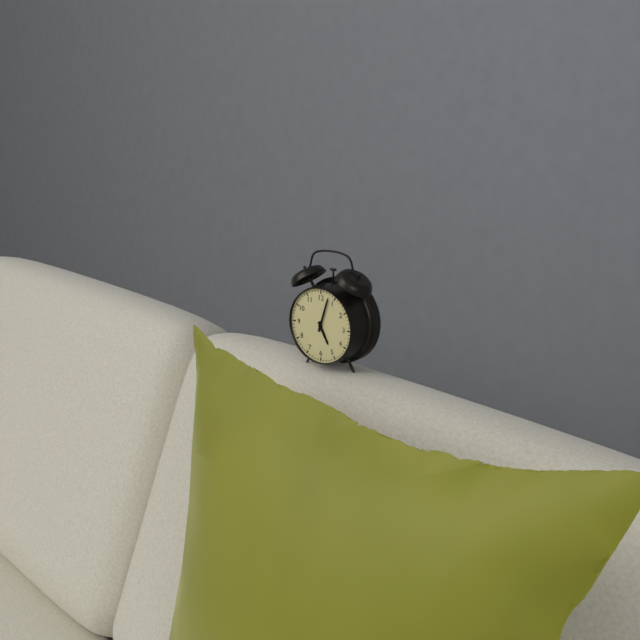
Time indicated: 5h03
